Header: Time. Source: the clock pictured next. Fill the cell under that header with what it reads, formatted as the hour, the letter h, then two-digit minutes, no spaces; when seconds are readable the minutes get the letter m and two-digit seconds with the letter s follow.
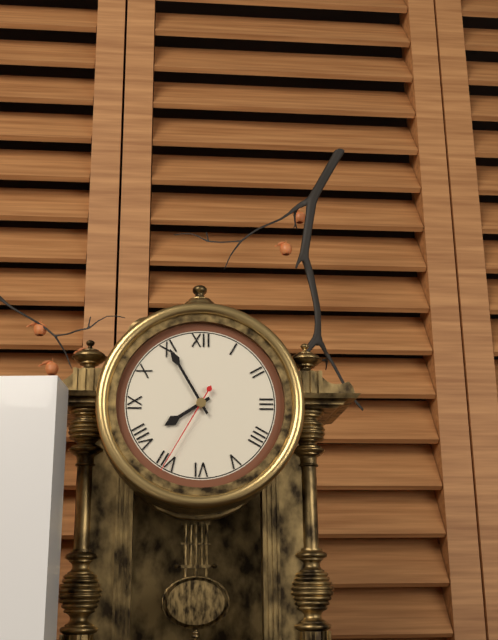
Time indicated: 7h55m35s
